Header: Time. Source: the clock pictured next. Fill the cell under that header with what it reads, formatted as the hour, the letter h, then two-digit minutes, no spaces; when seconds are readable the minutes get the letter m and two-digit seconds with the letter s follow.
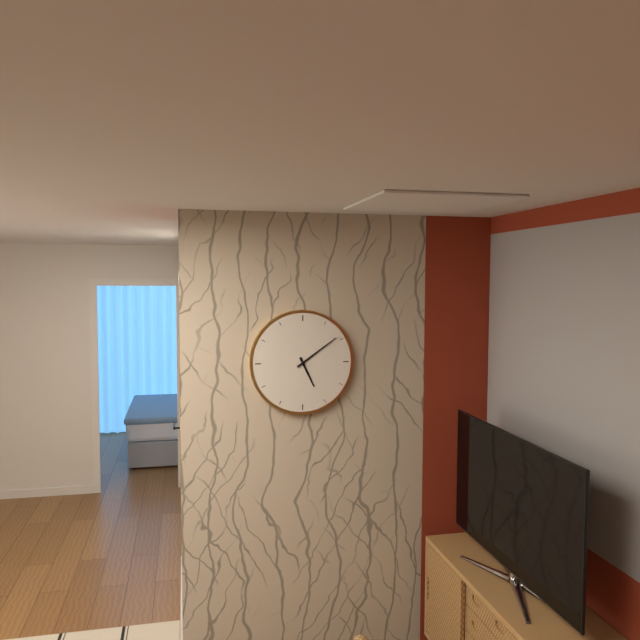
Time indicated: 5h09
